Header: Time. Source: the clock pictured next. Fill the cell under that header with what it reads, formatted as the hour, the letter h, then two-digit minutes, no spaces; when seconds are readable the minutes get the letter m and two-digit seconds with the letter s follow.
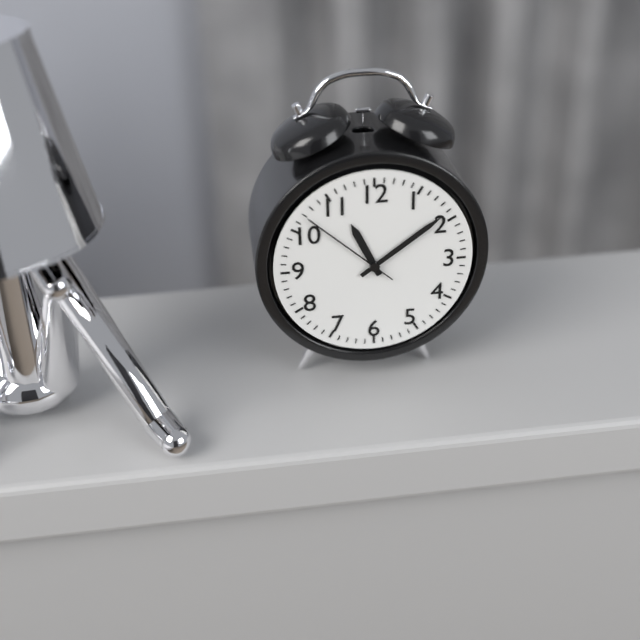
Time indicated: 11h09m52s
